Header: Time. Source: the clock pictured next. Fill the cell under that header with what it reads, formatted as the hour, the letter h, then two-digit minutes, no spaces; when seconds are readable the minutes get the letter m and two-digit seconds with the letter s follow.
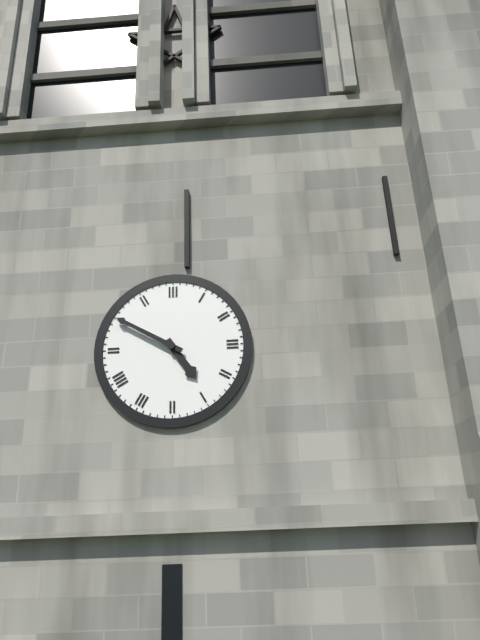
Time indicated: 4h50
